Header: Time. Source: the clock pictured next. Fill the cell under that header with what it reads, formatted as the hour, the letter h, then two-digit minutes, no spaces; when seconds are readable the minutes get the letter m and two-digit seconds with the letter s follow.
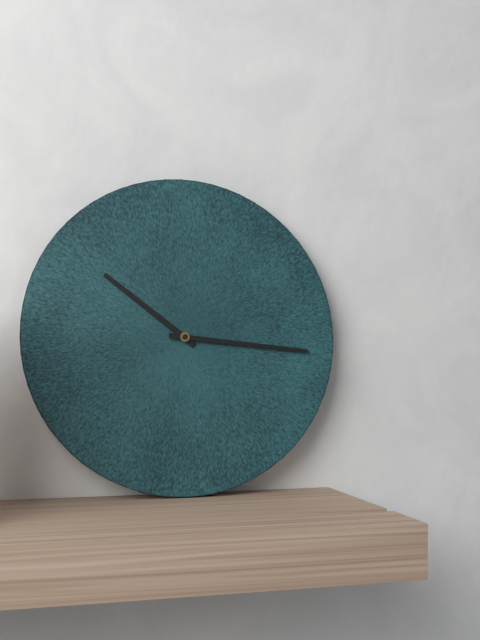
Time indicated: 10h16
